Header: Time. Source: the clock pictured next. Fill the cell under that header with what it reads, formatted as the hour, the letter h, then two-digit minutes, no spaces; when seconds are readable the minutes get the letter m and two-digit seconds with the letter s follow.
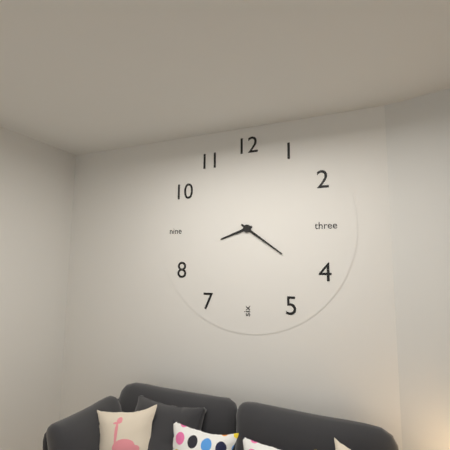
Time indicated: 8h21
